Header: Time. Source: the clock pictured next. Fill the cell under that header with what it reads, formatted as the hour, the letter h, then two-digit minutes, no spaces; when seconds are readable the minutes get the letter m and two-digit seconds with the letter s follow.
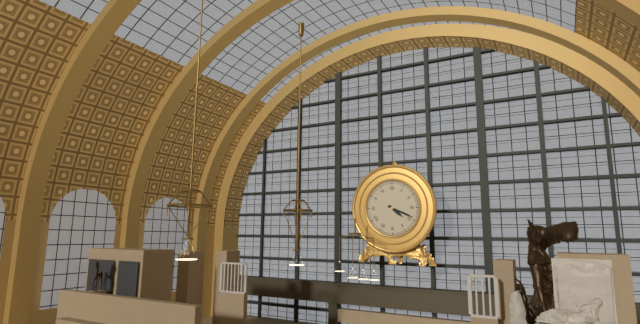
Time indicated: 4h19
